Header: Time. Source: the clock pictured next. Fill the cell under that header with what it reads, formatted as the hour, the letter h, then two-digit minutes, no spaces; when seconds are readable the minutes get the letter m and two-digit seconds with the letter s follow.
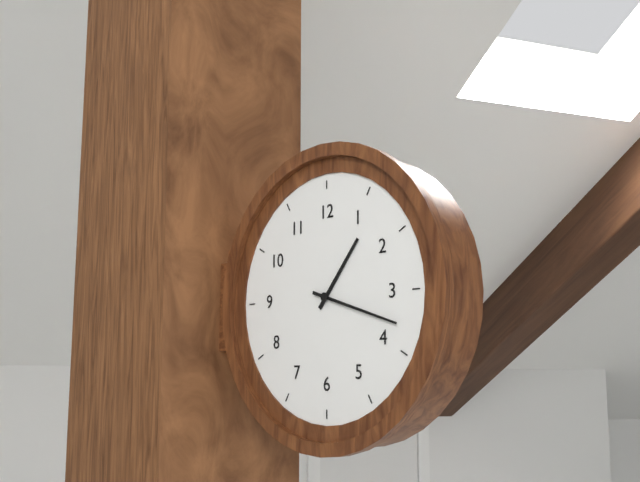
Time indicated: 1h18
